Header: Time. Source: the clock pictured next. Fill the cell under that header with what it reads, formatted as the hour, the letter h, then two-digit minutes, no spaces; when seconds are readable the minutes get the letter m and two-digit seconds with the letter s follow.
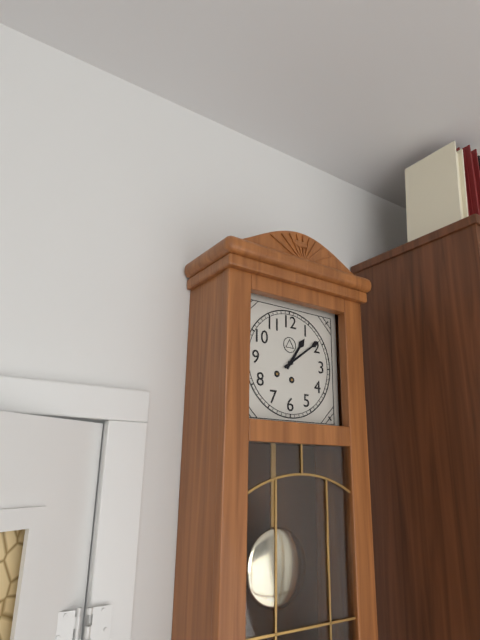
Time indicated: 1h09
